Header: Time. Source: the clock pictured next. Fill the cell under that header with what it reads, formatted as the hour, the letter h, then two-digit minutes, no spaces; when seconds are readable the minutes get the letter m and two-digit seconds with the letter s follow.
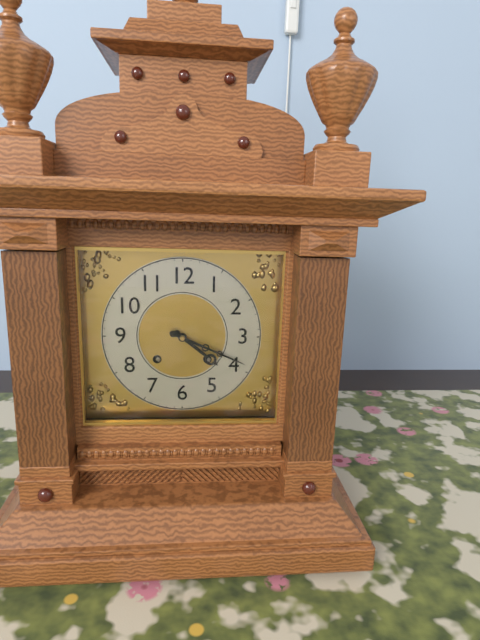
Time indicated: 4h19
